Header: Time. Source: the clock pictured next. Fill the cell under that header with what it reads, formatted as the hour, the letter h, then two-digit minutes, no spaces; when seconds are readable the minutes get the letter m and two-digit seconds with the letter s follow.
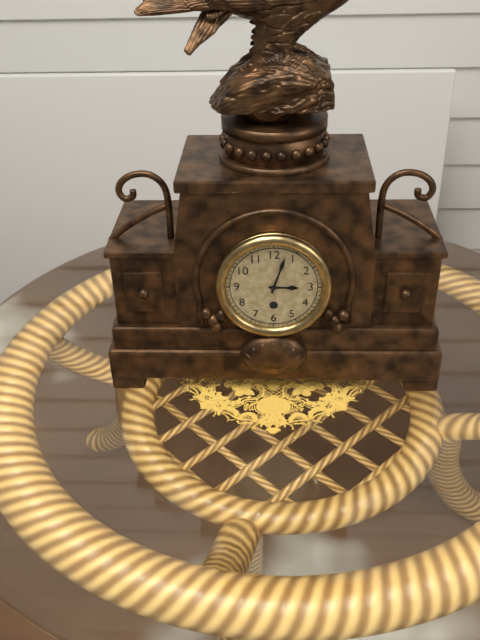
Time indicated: 3h03
